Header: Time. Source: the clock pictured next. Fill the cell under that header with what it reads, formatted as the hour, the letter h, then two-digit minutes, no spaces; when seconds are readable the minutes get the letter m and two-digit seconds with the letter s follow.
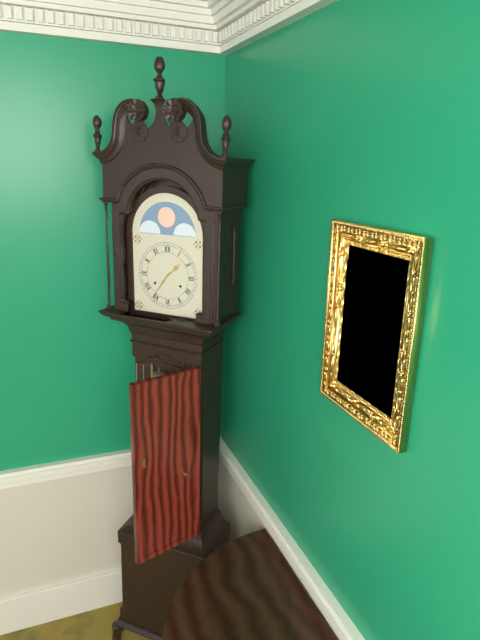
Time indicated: 1h36
